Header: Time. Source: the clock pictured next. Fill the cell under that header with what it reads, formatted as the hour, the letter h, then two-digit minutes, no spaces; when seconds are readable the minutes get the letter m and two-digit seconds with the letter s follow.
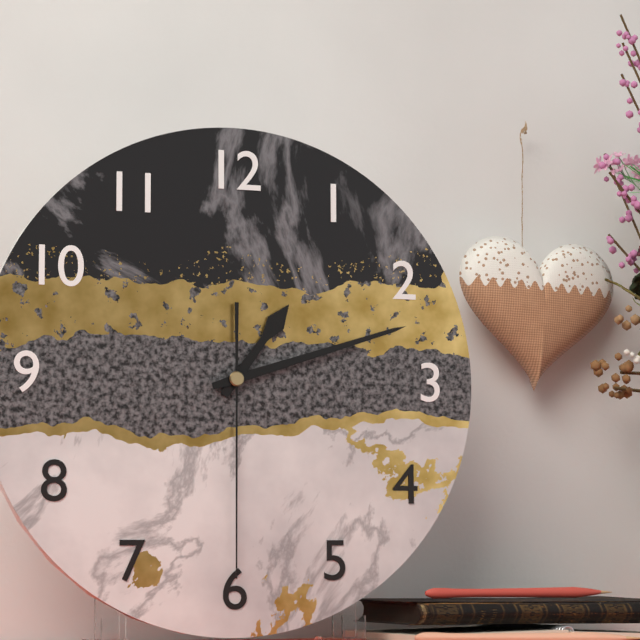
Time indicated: 1h12m30s
